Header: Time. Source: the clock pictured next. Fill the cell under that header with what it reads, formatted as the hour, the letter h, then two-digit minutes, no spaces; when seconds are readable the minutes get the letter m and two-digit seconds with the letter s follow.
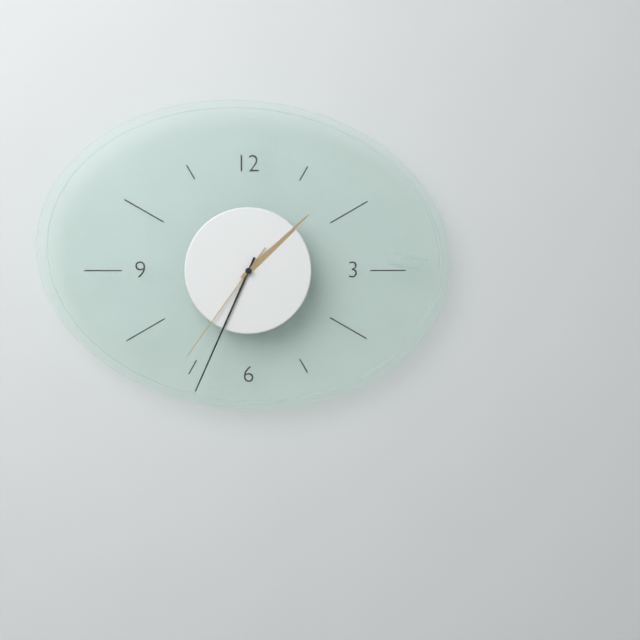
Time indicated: 1h34m36s
